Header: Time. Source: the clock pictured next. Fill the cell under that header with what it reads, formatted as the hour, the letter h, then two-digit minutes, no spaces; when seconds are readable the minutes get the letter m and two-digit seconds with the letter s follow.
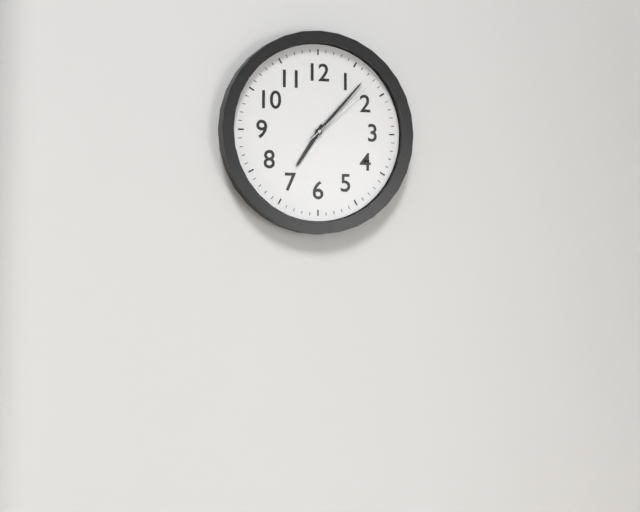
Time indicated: 7h07m08s
